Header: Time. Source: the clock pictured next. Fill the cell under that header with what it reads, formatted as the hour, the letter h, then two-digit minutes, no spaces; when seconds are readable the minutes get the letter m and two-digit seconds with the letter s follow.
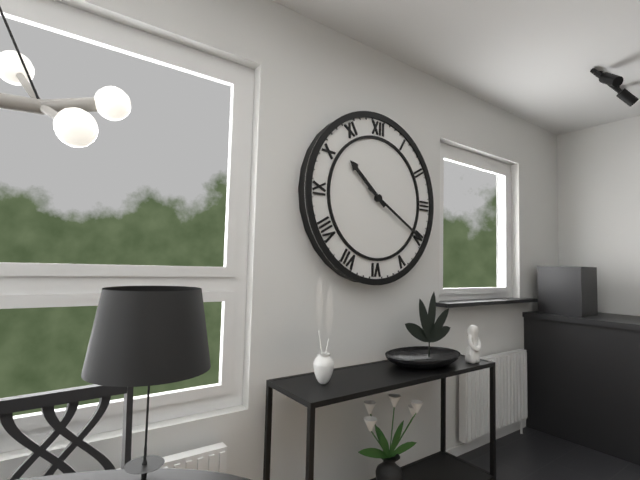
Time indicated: 10h20
